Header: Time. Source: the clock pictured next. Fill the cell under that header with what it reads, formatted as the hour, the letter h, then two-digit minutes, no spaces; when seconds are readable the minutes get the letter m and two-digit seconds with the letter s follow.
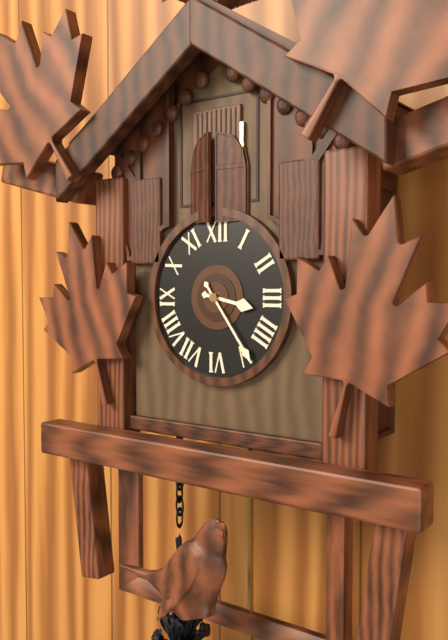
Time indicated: 3h24
